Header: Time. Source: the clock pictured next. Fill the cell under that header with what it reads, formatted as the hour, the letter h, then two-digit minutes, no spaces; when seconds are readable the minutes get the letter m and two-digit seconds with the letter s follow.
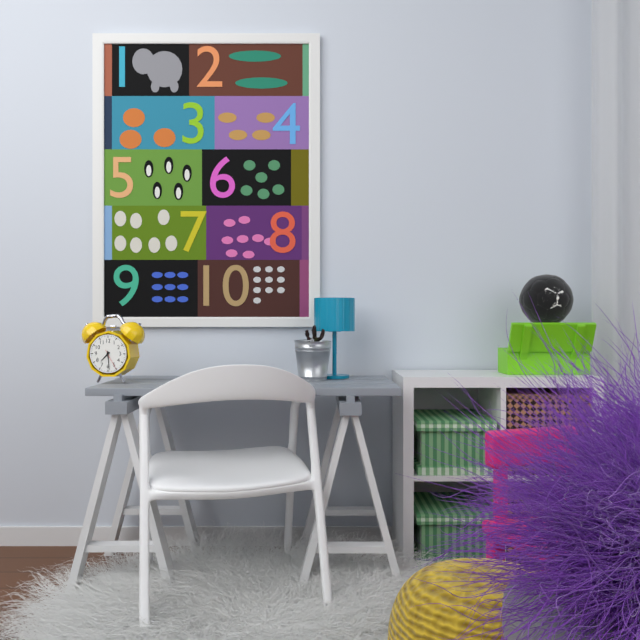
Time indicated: 7h29
